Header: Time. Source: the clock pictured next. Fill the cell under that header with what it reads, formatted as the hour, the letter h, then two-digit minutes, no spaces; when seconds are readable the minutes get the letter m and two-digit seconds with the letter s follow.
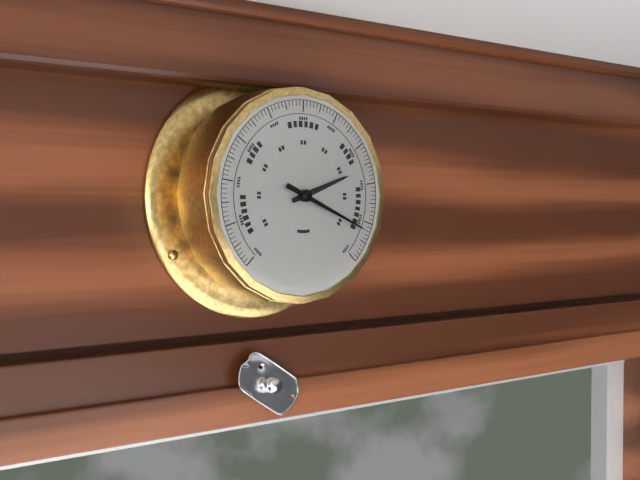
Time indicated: 2h19
